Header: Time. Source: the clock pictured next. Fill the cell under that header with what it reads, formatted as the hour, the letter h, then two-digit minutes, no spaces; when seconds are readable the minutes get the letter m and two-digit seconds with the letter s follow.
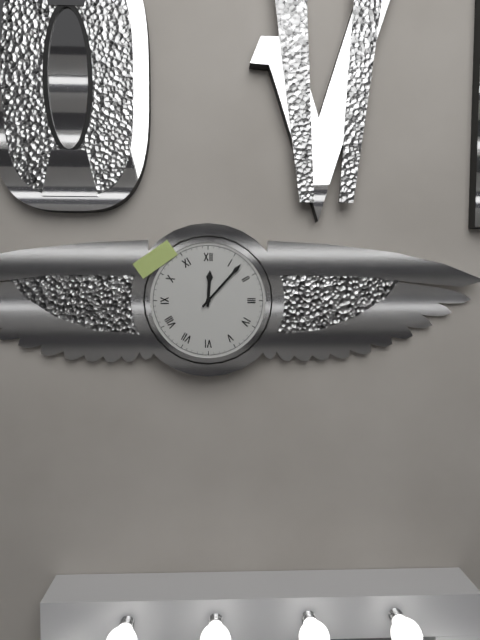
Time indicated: 12h07
